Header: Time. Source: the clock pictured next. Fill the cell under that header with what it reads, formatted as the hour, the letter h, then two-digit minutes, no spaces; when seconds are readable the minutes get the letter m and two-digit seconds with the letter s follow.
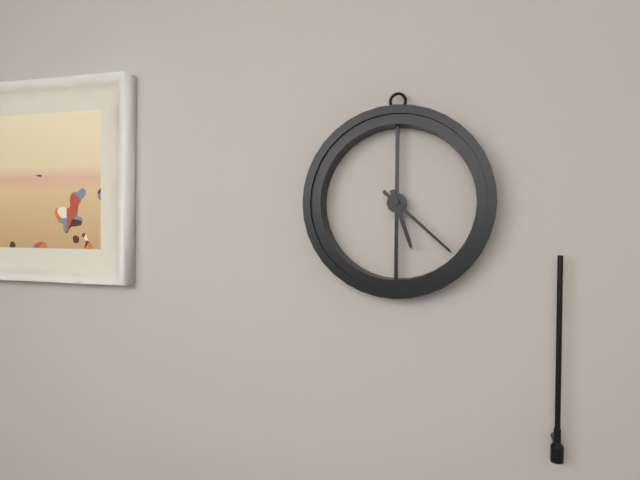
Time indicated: 5h22
